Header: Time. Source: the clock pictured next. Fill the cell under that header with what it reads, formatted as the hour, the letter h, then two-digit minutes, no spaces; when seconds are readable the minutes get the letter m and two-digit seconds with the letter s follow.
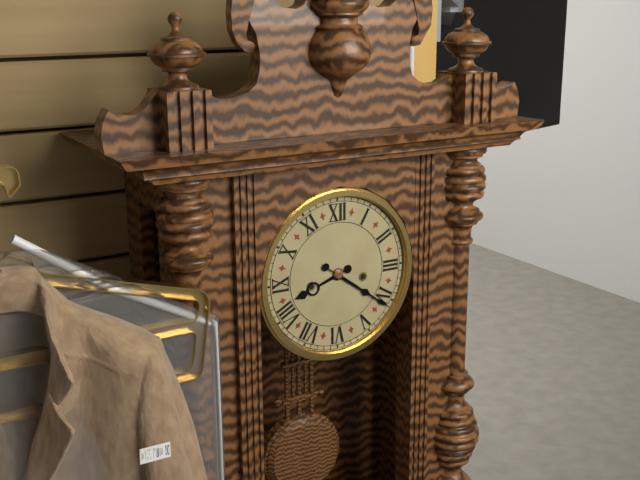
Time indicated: 8h21
